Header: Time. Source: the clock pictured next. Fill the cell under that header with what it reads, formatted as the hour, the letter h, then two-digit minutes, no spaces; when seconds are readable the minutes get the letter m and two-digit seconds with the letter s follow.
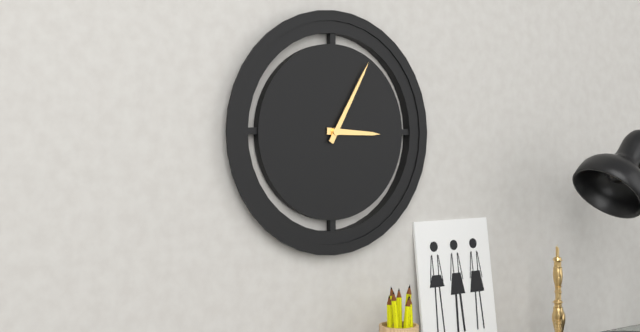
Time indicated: 3h05
